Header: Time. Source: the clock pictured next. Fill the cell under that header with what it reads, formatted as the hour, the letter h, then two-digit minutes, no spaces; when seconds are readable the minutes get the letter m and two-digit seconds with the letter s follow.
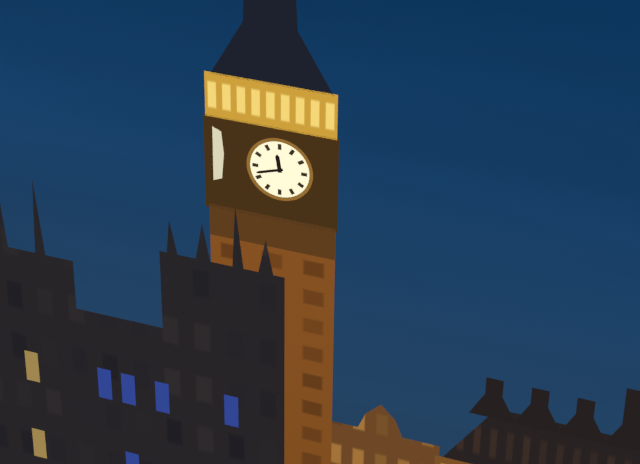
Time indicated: 11h42
